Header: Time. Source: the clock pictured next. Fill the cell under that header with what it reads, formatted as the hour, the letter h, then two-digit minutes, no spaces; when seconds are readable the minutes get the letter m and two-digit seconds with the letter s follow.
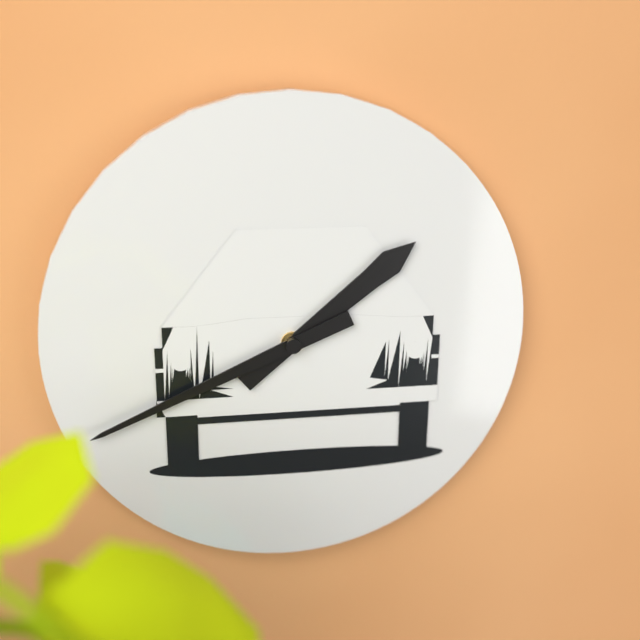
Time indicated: 1h41
